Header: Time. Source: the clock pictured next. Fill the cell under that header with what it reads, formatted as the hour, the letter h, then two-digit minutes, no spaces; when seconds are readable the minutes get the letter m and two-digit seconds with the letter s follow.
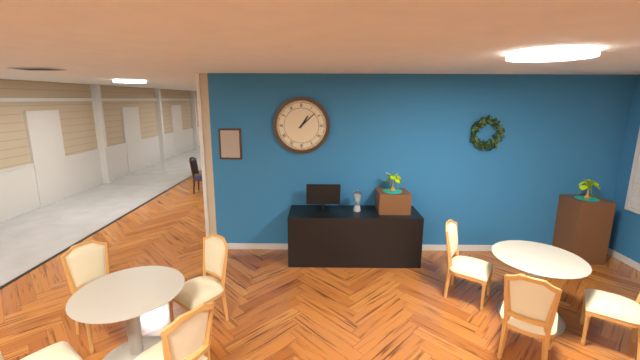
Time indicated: 1h08
